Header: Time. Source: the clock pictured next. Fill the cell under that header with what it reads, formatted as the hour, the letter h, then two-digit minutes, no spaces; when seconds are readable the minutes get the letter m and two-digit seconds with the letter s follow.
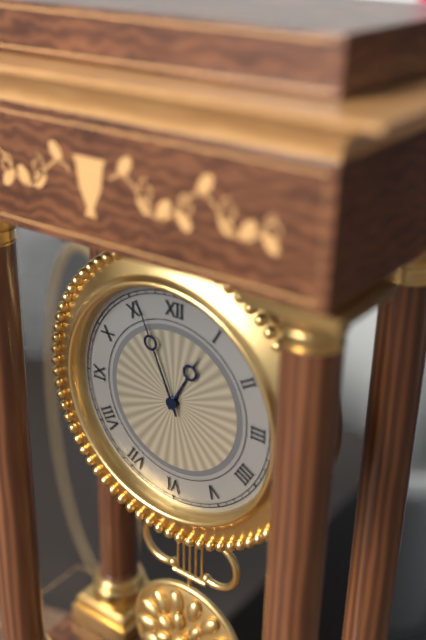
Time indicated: 12h56
